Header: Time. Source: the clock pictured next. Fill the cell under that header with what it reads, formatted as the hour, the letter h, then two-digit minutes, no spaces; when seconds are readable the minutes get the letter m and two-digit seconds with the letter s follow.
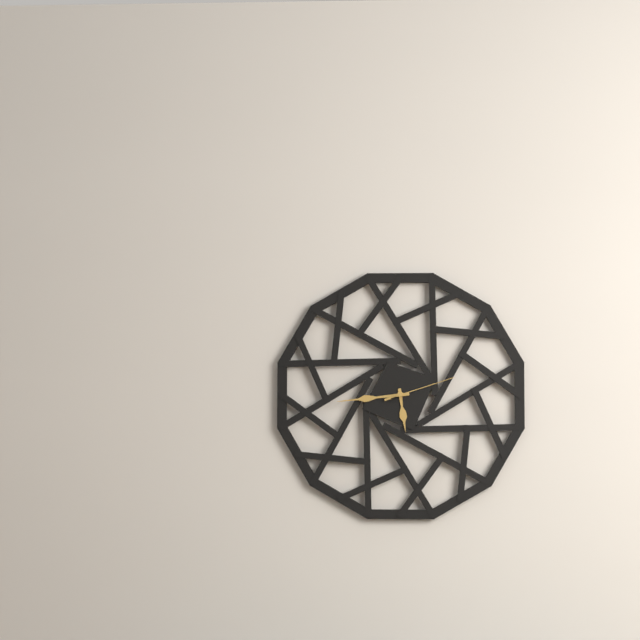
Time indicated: 5h44m12s
